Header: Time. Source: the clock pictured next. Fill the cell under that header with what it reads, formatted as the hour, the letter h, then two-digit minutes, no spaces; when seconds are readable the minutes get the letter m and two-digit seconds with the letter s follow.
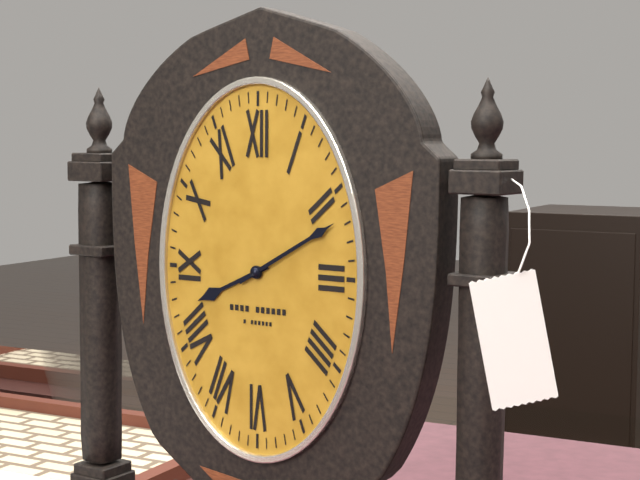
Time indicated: 8h10
